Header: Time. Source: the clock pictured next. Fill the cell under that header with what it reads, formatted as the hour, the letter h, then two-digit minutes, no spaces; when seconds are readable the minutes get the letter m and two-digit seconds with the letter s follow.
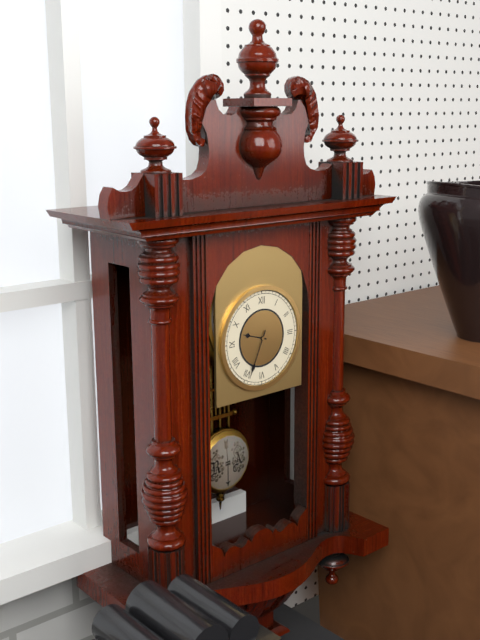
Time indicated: 9h34
